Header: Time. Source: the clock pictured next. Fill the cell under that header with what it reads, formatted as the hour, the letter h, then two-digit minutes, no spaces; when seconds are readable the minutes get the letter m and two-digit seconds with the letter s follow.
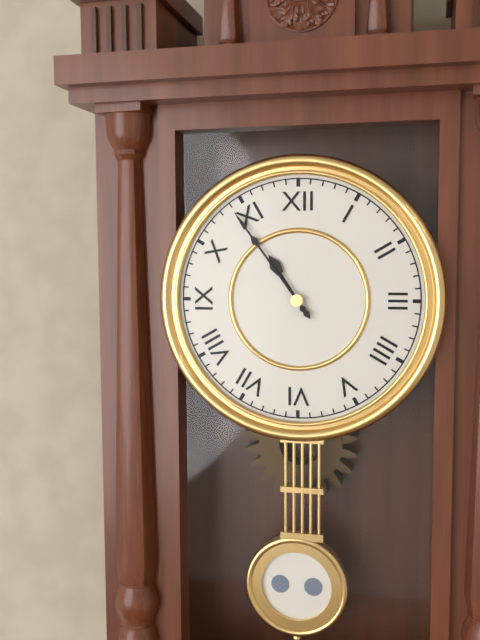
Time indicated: 10h54
